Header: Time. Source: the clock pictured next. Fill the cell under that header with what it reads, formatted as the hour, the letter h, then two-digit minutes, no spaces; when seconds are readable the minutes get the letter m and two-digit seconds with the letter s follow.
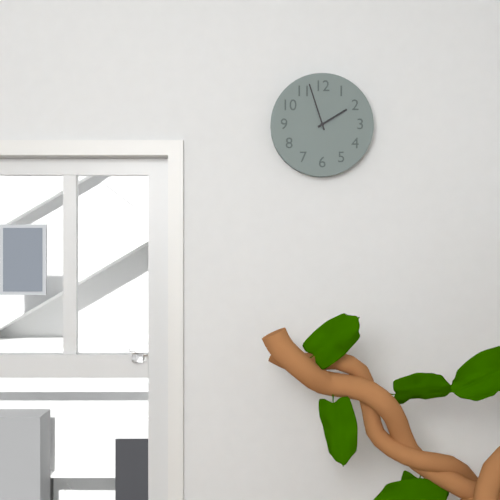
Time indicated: 1h57
